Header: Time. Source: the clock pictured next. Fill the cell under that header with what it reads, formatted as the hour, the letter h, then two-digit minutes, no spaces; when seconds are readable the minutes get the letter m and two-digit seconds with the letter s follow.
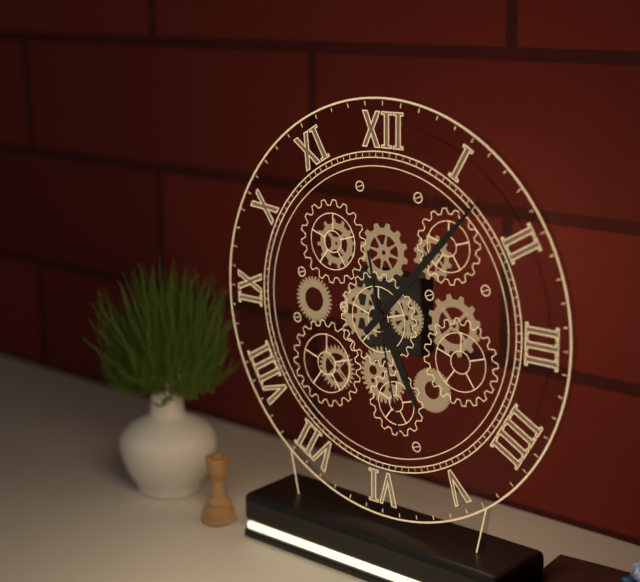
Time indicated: 5h07m28s
